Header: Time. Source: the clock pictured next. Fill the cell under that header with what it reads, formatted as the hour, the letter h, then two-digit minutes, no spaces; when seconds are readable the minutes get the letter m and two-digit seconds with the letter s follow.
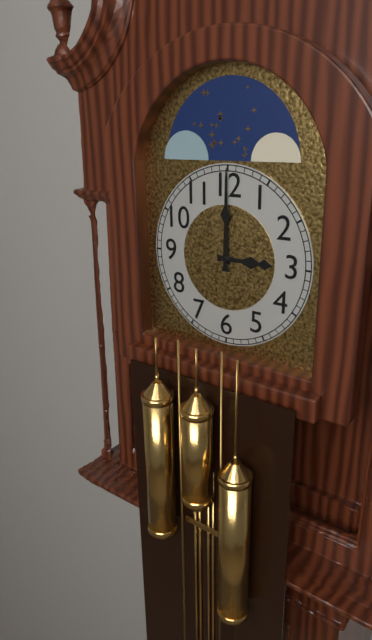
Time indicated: 3h00
